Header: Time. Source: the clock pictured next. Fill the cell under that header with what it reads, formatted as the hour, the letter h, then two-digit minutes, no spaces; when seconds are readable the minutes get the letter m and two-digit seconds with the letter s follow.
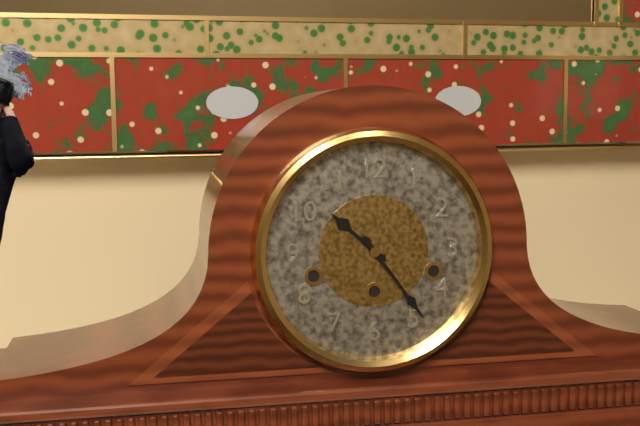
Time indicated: 10h24
